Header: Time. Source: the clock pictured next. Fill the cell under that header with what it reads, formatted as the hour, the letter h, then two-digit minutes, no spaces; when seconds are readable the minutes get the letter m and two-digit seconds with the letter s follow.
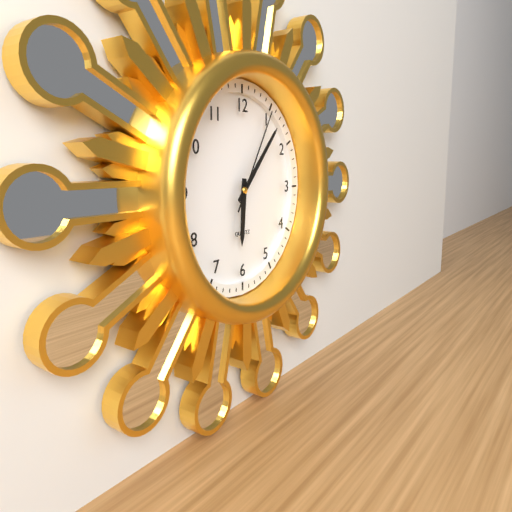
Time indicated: 6h07m05s
